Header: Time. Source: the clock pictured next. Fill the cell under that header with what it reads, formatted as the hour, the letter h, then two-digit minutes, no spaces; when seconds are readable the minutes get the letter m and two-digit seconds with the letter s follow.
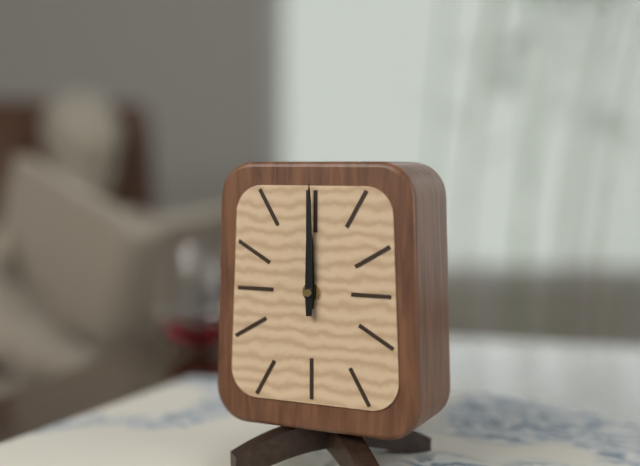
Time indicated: 12h00
